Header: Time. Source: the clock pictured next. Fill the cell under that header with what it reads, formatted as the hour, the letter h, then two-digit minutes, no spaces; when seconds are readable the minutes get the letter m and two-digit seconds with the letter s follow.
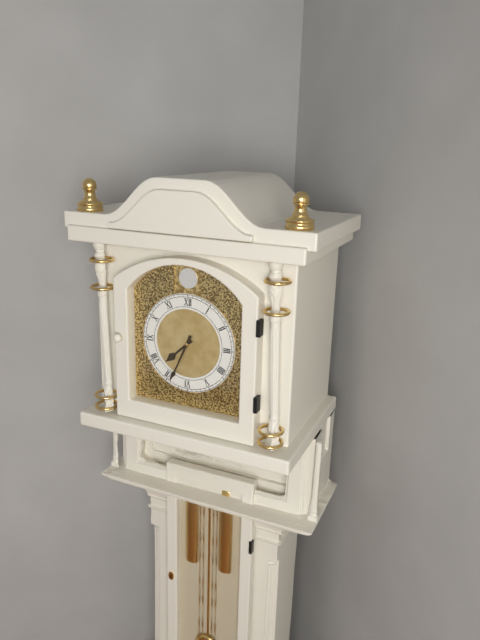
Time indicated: 7h34
